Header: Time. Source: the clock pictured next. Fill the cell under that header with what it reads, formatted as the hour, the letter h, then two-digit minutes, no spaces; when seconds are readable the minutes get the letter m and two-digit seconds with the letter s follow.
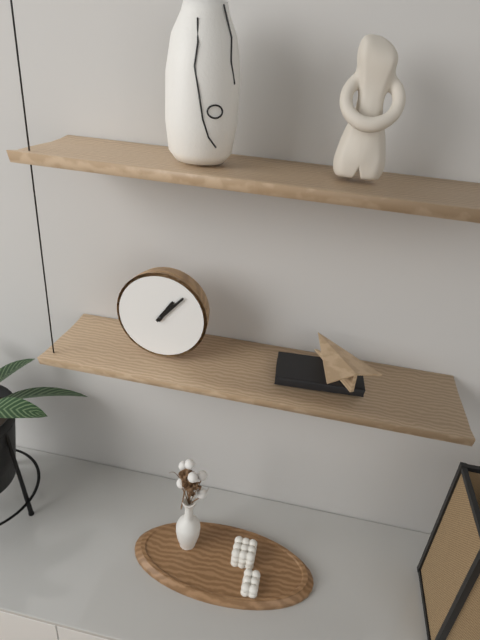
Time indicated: 1h07
